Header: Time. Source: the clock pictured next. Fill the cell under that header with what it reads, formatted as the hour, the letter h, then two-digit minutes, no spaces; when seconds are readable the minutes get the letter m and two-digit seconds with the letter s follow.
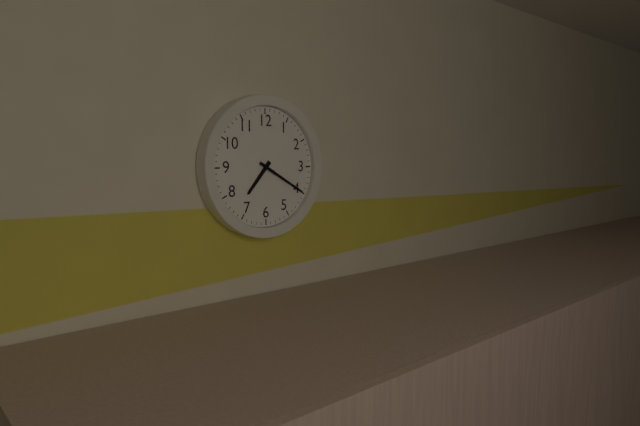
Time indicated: 7h20
